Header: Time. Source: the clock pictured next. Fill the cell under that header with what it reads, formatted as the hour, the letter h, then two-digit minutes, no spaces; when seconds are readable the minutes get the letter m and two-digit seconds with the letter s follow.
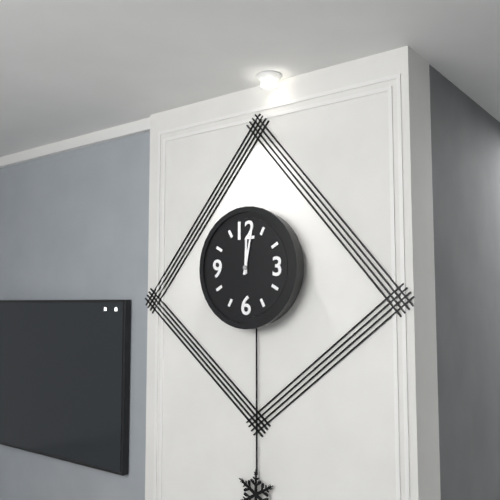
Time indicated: 12h02
